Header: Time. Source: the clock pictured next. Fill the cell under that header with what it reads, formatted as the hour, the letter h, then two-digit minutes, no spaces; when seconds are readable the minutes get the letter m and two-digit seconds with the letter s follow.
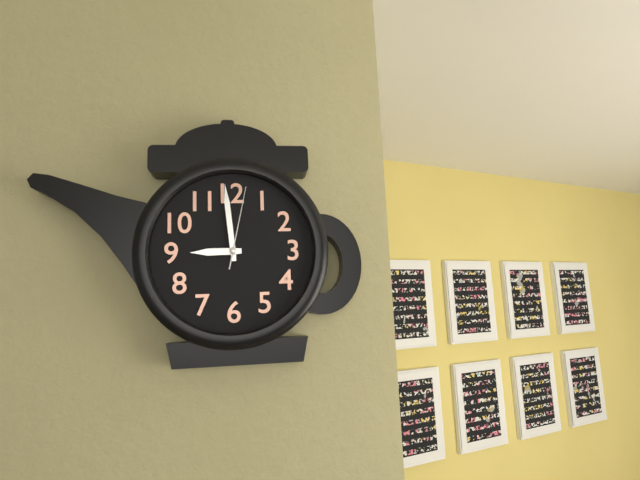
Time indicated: 8h59m02s
